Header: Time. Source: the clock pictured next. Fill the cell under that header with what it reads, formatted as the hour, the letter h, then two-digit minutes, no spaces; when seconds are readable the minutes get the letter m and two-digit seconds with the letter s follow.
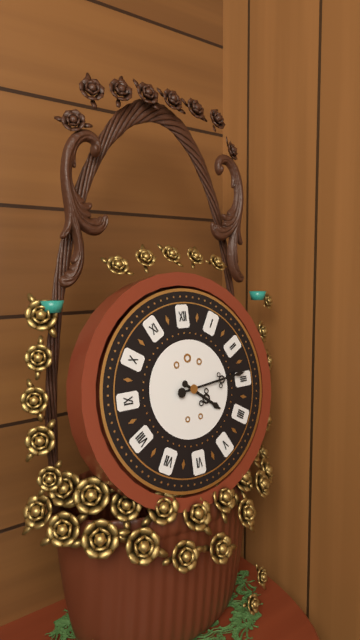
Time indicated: 4h14
